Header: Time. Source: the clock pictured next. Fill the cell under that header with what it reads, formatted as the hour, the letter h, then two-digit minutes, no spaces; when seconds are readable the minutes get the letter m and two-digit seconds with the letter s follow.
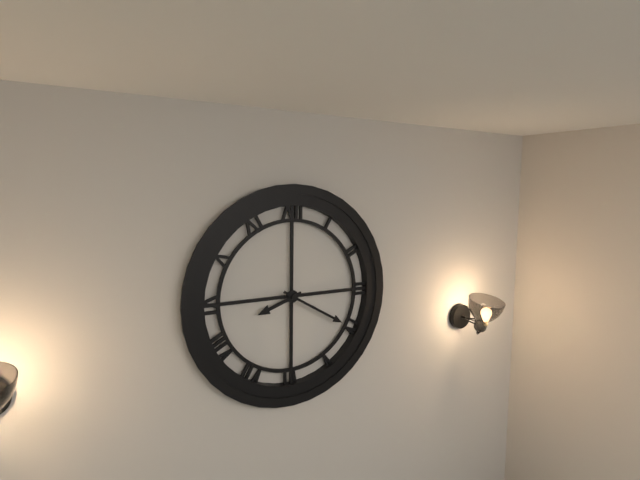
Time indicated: 8h20
